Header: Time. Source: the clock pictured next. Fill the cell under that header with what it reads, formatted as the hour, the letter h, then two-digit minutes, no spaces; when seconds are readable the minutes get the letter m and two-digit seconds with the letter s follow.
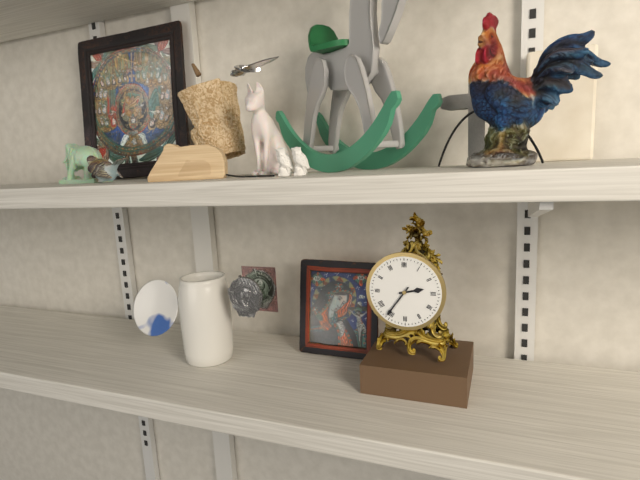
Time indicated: 2h36
